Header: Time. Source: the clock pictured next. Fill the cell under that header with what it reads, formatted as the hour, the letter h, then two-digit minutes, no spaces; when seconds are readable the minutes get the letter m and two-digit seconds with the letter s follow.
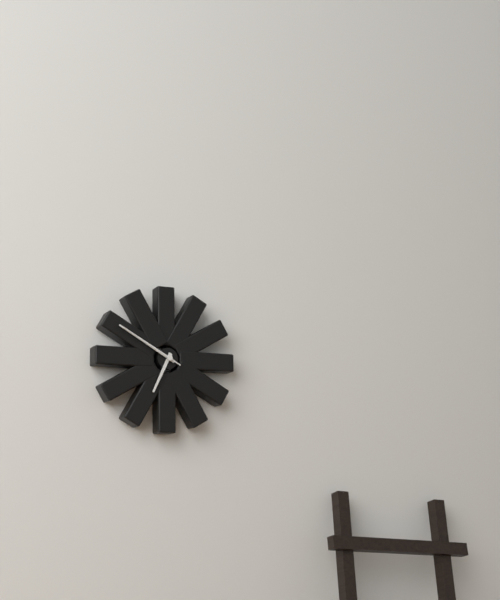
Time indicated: 6h50m50s
